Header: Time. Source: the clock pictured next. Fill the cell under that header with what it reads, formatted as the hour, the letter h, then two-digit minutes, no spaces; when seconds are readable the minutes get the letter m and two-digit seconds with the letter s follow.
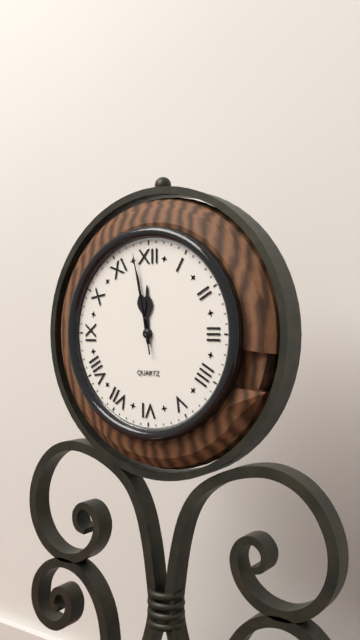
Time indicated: 11h58m58s
